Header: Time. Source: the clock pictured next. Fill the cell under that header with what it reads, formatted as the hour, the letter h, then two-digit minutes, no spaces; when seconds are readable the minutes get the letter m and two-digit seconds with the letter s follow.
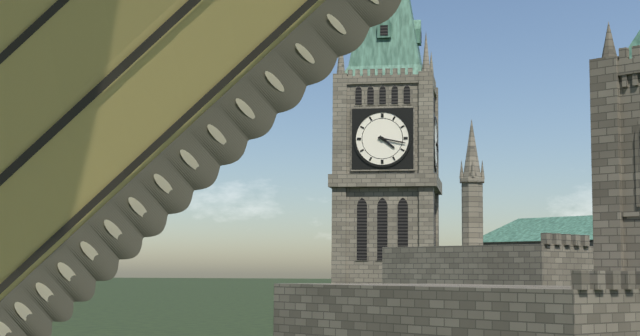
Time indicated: 4h17
